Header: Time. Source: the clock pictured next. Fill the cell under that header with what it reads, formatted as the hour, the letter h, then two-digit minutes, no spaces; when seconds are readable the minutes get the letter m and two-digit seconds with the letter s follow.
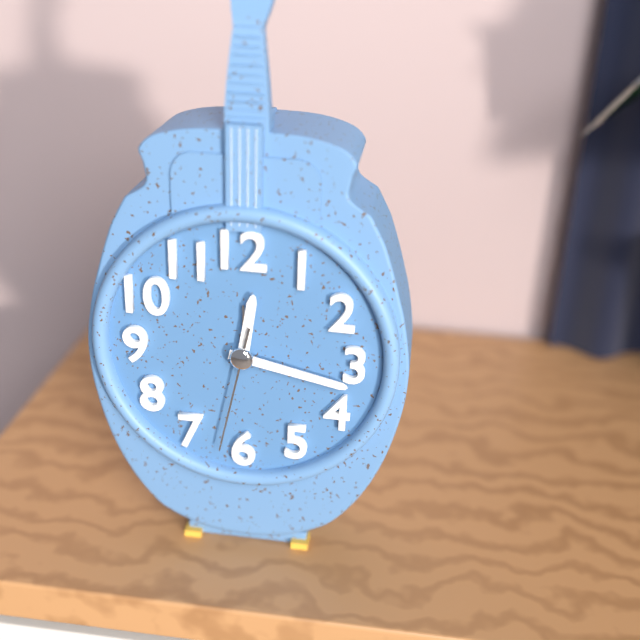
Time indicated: 12h17m32s
